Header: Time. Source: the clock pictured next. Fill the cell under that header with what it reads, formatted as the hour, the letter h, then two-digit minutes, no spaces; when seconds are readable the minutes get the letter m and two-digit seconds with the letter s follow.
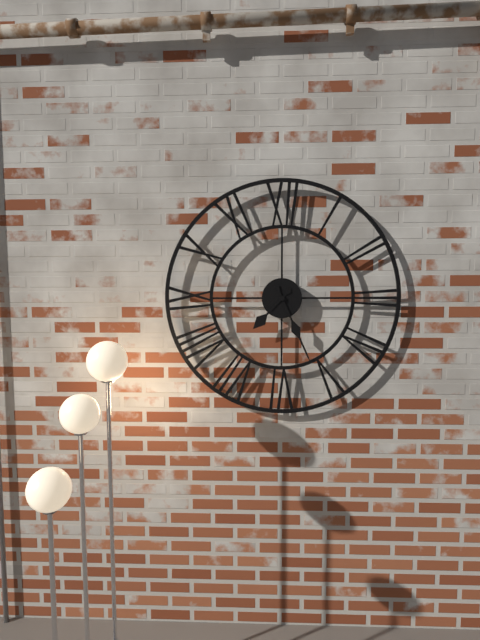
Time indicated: 7h26
